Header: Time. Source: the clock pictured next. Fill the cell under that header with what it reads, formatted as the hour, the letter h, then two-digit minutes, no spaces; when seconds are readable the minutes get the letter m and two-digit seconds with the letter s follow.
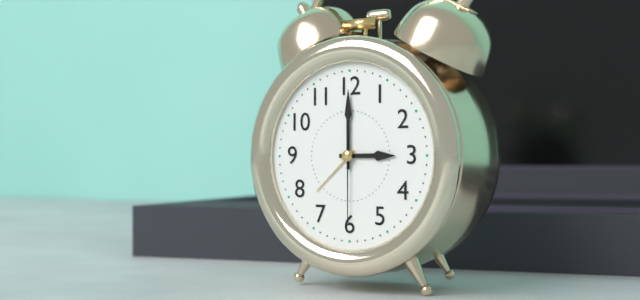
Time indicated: 3h00m30s
